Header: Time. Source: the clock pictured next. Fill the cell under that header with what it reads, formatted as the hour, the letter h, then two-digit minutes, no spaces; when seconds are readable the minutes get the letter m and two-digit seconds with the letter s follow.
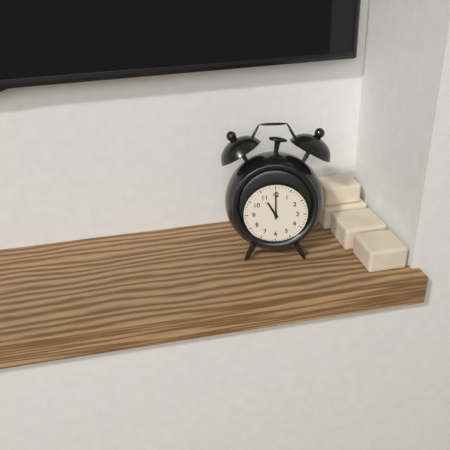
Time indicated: 11h00
